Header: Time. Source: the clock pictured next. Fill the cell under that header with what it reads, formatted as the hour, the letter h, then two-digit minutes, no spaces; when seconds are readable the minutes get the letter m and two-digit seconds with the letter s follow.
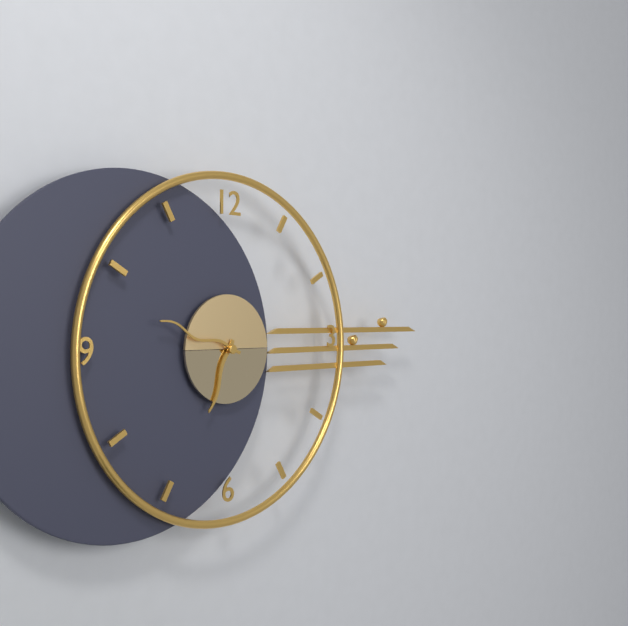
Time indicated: 6h48
